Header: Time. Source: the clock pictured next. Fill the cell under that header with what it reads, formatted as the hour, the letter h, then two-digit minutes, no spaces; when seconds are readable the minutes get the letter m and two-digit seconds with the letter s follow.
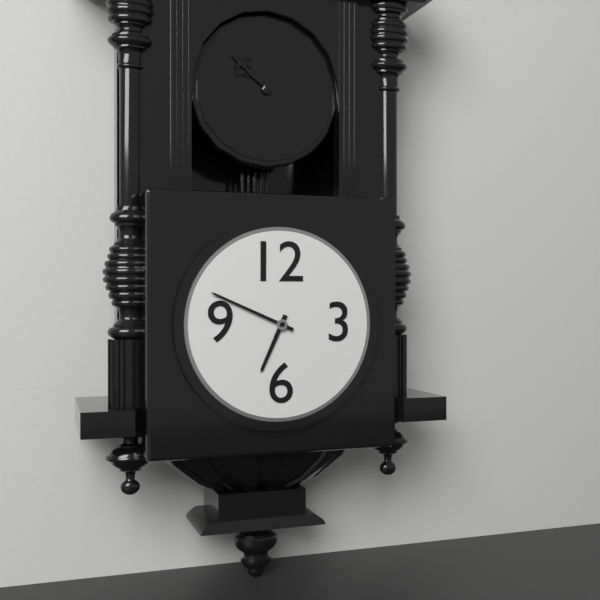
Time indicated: 6h49
